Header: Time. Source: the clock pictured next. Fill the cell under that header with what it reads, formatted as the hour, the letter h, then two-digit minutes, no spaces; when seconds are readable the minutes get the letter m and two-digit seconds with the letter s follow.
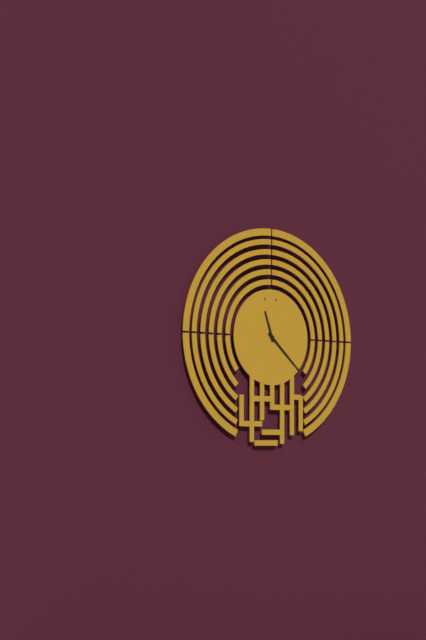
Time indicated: 11h22
